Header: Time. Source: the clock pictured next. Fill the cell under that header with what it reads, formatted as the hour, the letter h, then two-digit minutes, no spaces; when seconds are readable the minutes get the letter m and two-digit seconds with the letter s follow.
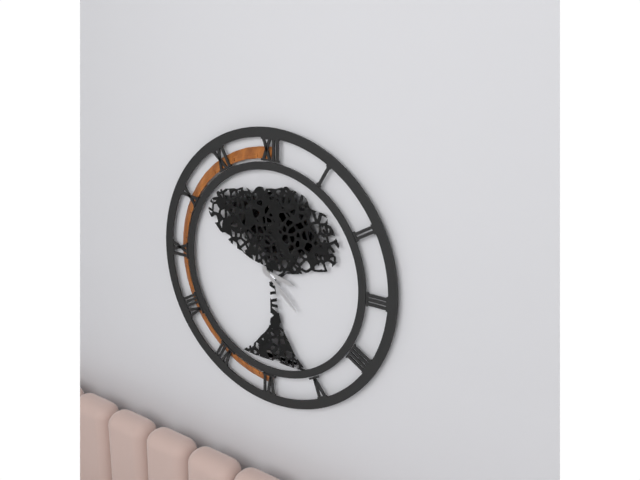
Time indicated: 3h22
